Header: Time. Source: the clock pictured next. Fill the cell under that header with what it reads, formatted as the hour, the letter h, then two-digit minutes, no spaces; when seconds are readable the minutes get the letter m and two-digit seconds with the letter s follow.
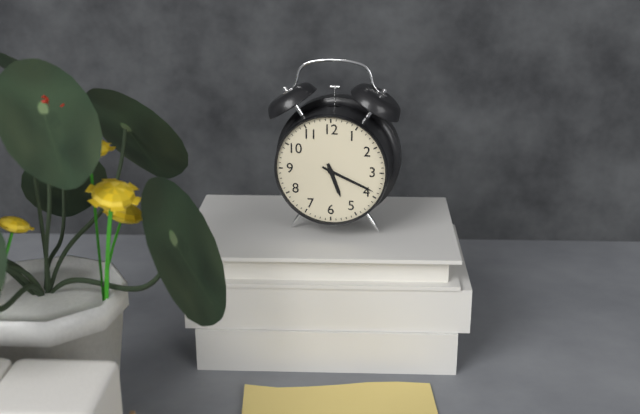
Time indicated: 5h19
